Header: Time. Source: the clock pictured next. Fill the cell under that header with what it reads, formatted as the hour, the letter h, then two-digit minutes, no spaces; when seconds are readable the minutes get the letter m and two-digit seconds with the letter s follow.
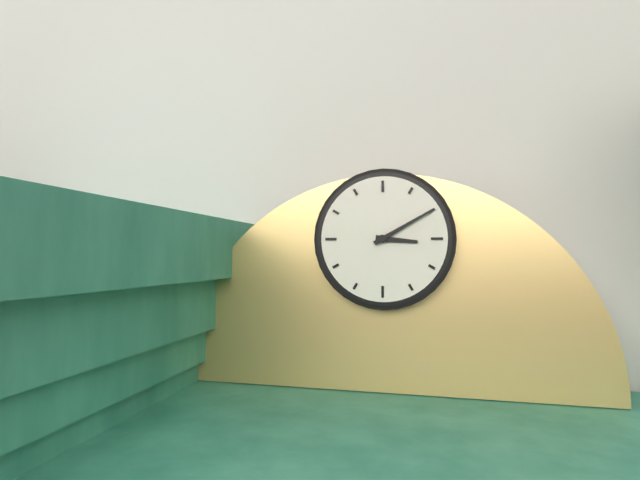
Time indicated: 3h10
